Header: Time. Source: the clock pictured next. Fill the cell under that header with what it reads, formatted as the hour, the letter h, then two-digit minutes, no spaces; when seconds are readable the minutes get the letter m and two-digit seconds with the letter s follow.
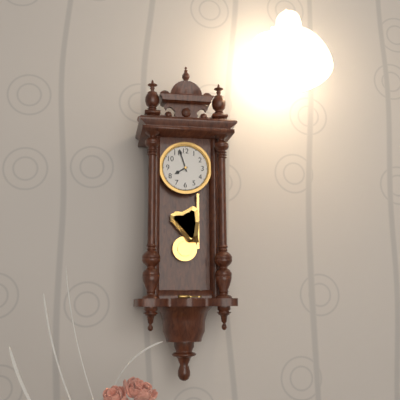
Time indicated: 7h57
